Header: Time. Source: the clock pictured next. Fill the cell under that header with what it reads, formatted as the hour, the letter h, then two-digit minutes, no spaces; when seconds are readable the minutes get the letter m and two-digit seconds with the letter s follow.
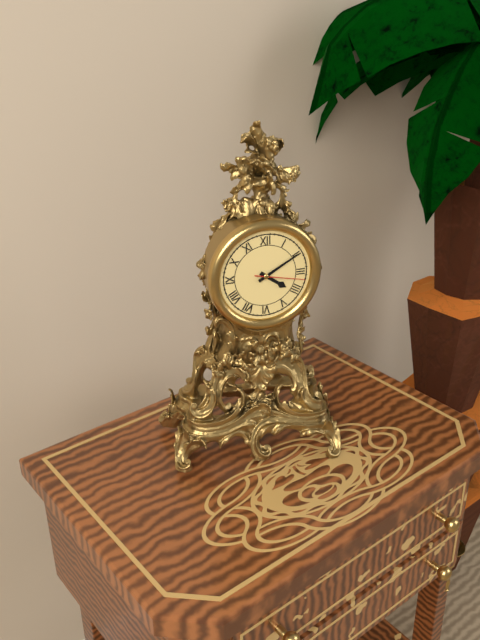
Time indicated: 4h10
